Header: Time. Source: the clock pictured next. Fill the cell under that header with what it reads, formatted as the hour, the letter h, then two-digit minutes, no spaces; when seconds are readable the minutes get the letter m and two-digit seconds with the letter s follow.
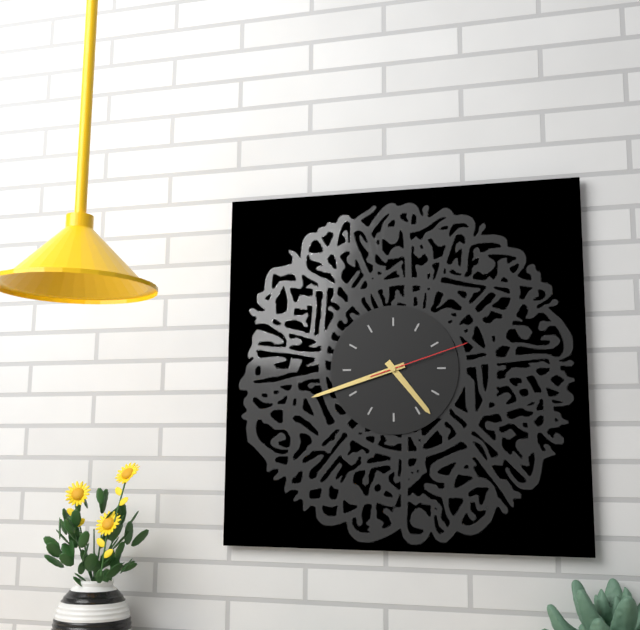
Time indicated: 4h42m12s
